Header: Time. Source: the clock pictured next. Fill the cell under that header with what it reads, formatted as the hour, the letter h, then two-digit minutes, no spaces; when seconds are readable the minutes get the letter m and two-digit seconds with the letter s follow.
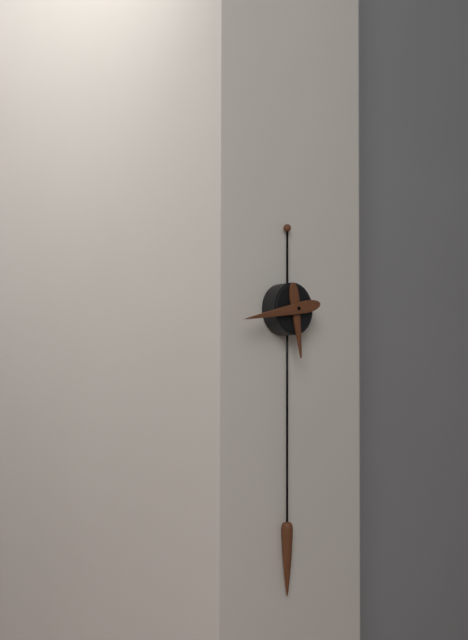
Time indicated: 5h43
